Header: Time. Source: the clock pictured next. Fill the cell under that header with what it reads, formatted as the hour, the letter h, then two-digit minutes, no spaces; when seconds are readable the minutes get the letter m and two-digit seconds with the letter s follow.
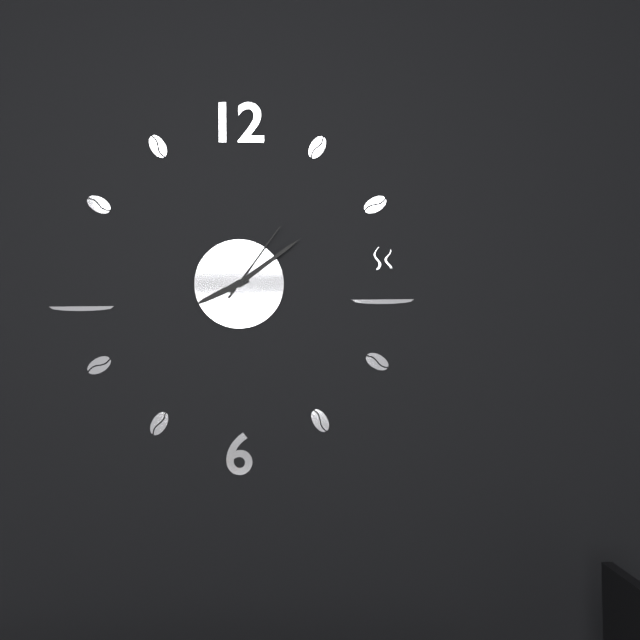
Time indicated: 8h09m06s
